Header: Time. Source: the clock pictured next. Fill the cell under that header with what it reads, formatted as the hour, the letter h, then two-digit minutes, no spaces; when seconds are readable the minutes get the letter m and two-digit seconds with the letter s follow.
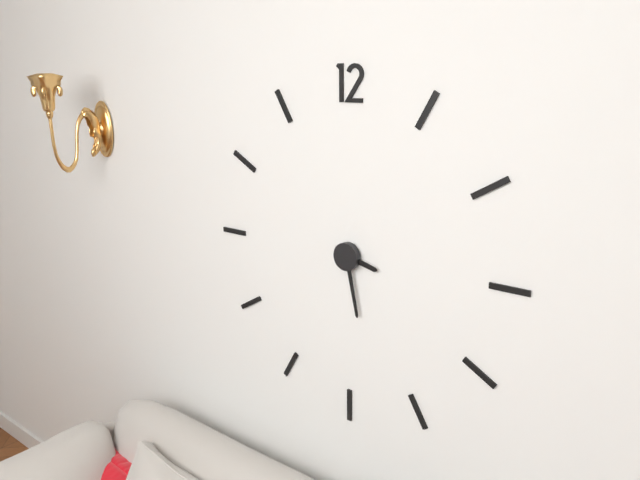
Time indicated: 3h28
